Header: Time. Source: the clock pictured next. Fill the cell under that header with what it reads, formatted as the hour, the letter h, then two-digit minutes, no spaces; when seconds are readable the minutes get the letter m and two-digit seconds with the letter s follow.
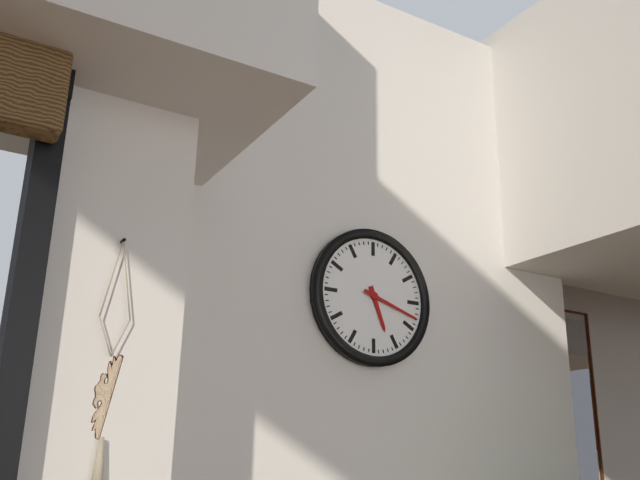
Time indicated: 5h18
